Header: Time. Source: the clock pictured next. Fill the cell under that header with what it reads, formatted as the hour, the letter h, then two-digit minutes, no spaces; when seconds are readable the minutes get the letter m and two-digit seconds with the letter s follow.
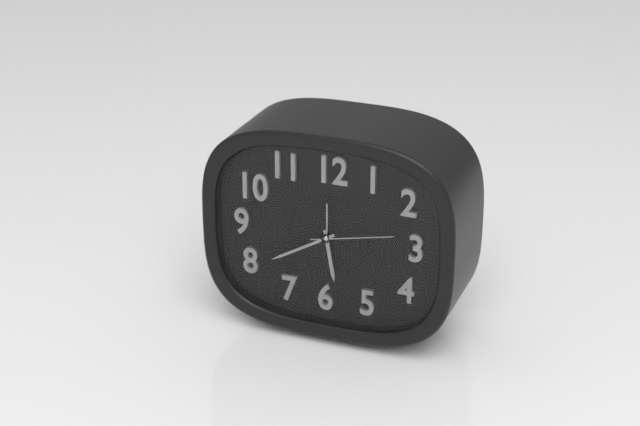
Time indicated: 5h40m13s
